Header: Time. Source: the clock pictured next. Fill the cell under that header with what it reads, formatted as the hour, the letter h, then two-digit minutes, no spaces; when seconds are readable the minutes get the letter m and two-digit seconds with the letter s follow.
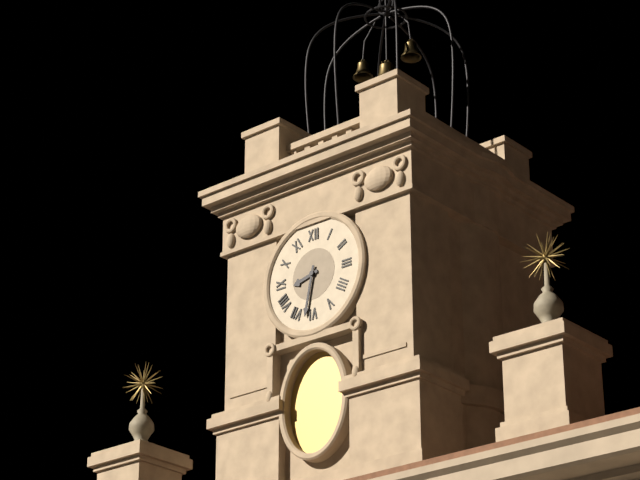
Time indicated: 8h32
